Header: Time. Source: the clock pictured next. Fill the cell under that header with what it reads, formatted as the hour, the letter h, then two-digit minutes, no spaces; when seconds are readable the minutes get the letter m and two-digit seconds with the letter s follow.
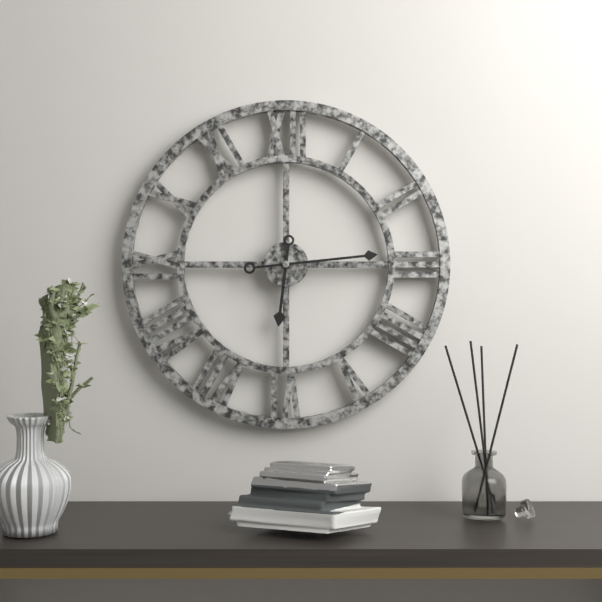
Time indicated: 6h14
